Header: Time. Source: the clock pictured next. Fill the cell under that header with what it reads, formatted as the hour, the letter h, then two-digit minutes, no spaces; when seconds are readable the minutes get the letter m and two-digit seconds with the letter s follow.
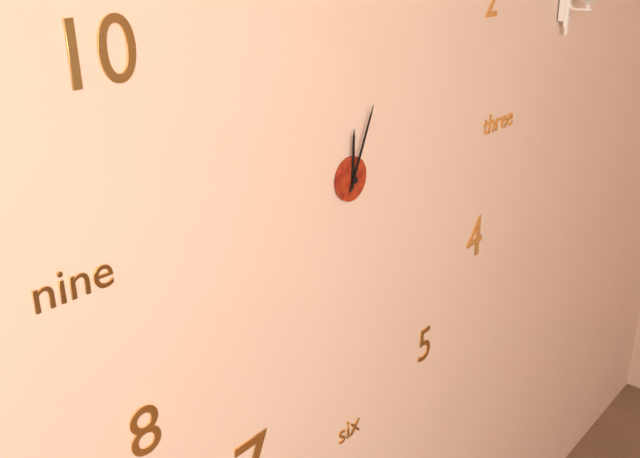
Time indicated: 12h04
